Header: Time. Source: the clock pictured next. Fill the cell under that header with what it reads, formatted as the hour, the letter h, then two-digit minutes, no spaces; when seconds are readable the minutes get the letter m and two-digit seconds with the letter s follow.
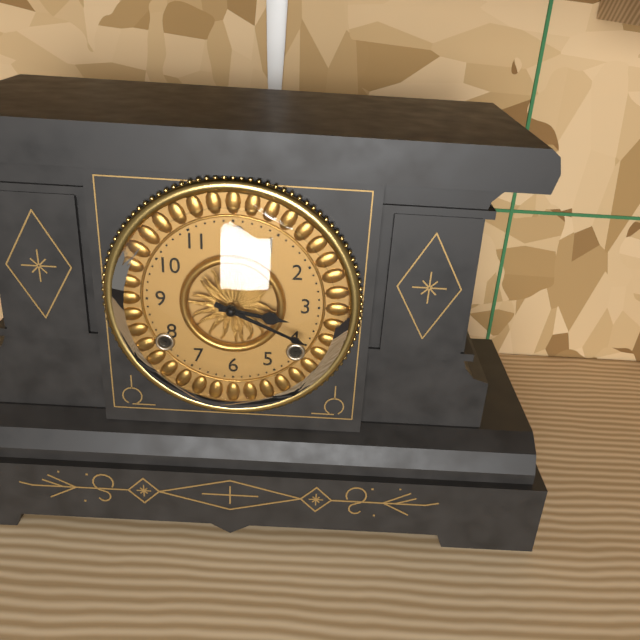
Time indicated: 3h19
